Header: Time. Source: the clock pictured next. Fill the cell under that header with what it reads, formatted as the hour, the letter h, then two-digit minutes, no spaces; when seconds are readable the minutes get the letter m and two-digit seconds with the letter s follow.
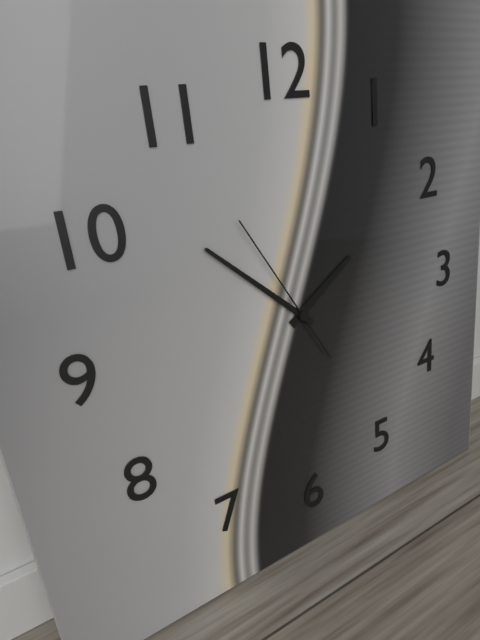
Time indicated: 1h52m55s
